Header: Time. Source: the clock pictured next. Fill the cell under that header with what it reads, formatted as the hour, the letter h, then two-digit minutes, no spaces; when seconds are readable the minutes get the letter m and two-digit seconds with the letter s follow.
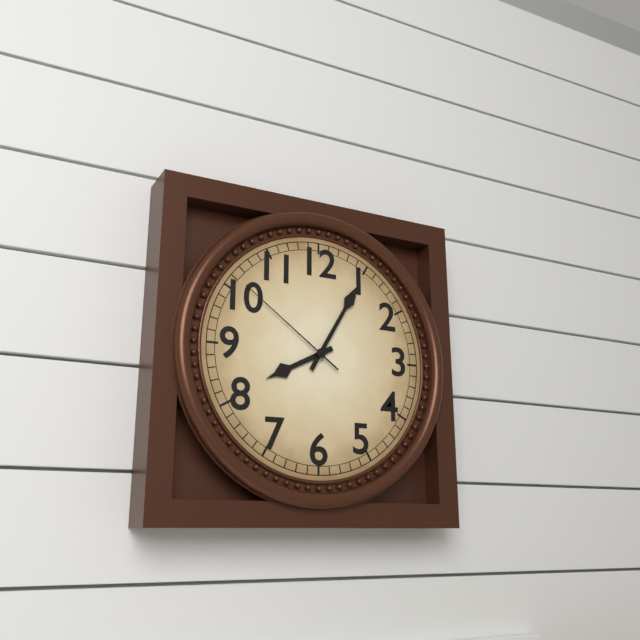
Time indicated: 8h05m51s
